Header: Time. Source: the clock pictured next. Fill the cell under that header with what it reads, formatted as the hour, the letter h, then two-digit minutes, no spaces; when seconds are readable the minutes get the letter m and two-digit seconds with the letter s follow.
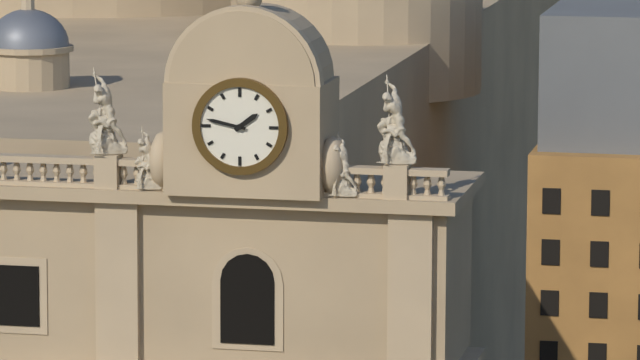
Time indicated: 1h47
